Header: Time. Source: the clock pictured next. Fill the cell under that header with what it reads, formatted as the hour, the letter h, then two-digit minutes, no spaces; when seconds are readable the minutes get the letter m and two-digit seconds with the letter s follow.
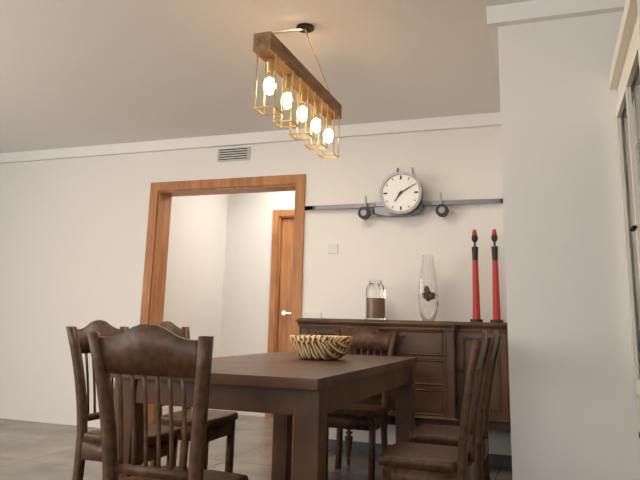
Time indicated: 7h10
